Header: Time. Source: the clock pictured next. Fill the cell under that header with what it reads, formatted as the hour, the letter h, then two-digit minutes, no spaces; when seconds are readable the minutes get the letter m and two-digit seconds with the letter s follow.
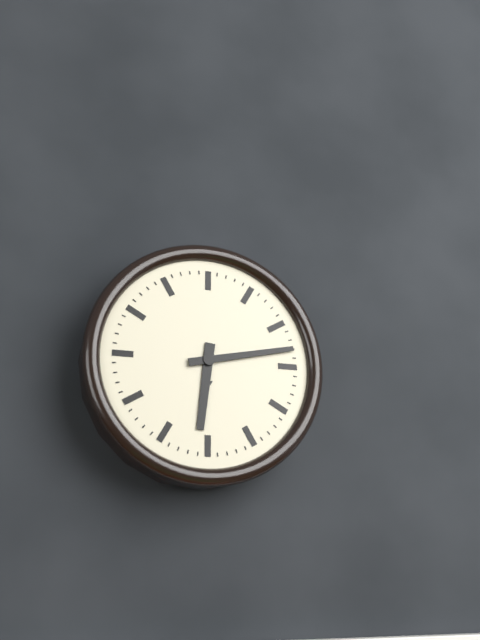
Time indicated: 6h13
